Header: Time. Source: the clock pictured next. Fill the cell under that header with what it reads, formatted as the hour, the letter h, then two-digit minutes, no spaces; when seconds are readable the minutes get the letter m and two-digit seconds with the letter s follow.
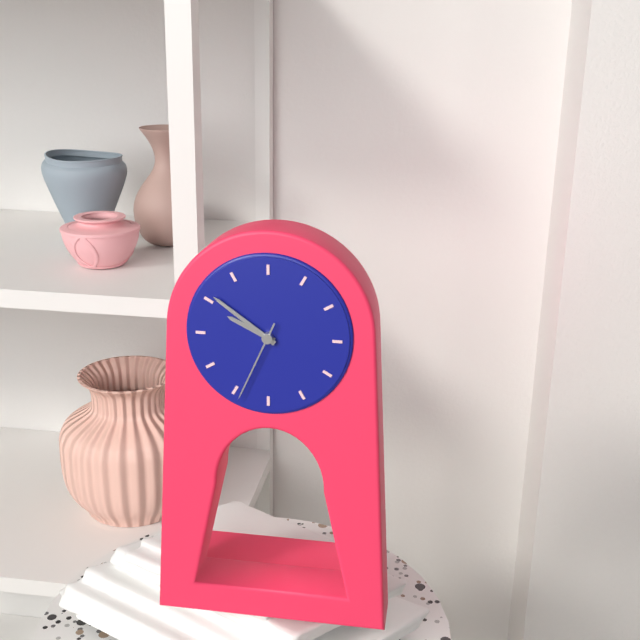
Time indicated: 9h51m34s
